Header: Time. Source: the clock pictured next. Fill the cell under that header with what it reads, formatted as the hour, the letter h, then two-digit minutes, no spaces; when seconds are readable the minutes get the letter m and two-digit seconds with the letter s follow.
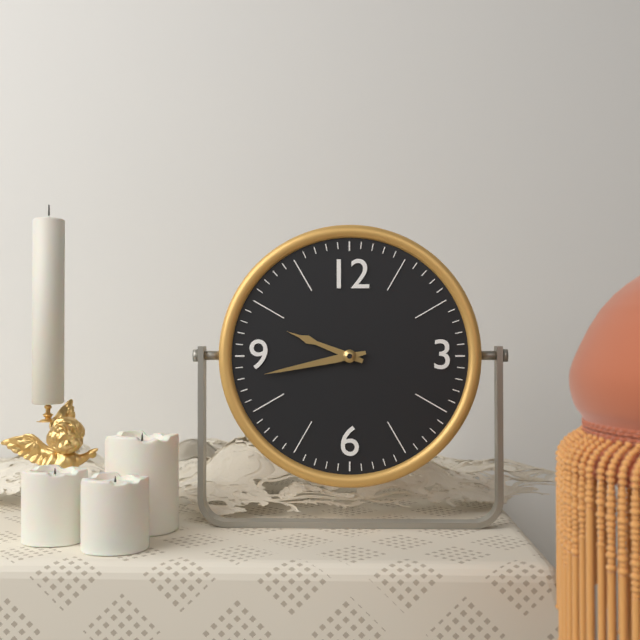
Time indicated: 9h43
